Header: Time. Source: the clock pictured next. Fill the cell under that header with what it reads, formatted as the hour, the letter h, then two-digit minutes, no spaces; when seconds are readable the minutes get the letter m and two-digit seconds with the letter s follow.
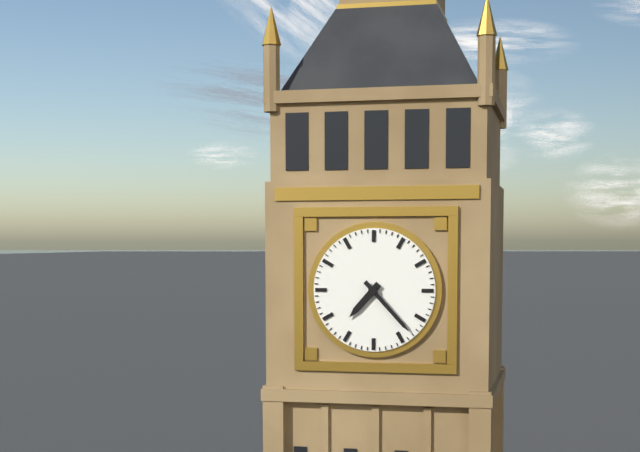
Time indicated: 7h23
